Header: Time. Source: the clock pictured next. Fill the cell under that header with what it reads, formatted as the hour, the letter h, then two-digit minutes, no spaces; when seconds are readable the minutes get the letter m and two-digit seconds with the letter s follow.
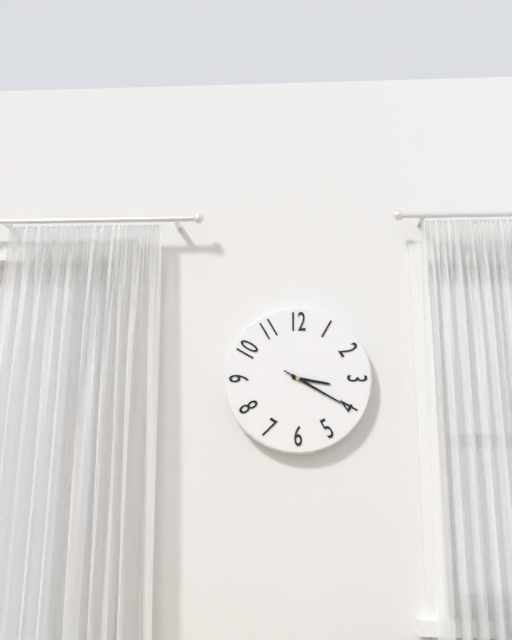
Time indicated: 3h20m20s
